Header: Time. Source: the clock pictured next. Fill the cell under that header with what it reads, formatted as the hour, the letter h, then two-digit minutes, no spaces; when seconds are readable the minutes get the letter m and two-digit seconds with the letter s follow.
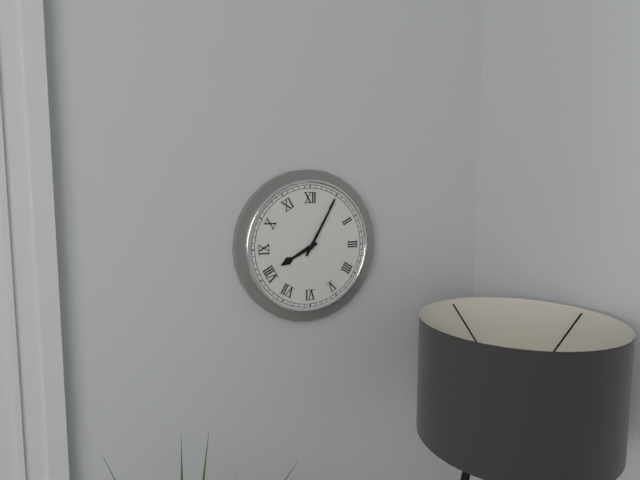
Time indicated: 8h05
